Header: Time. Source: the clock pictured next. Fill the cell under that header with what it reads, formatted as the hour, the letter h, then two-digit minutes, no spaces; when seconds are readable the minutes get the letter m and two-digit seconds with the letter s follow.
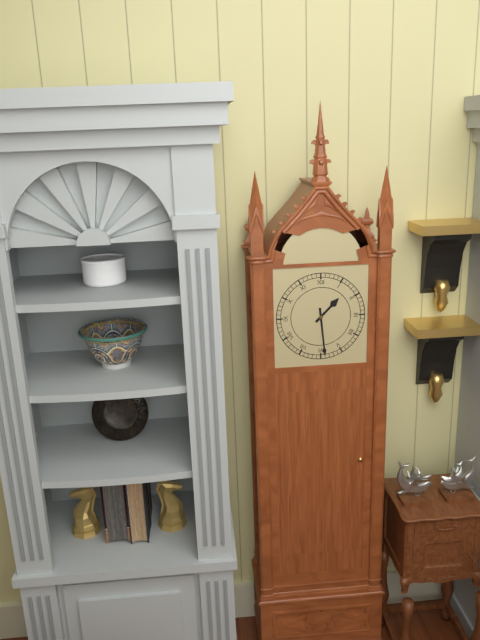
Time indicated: 1h29
